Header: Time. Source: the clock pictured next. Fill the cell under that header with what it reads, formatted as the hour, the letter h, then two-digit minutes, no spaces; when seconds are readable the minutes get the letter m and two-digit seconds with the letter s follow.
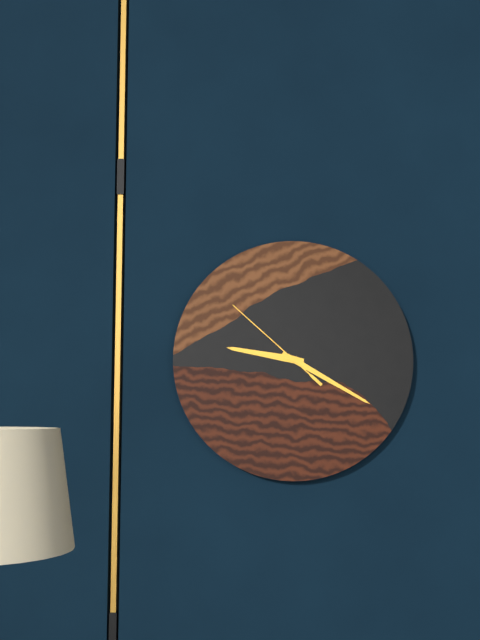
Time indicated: 9h20m52s
